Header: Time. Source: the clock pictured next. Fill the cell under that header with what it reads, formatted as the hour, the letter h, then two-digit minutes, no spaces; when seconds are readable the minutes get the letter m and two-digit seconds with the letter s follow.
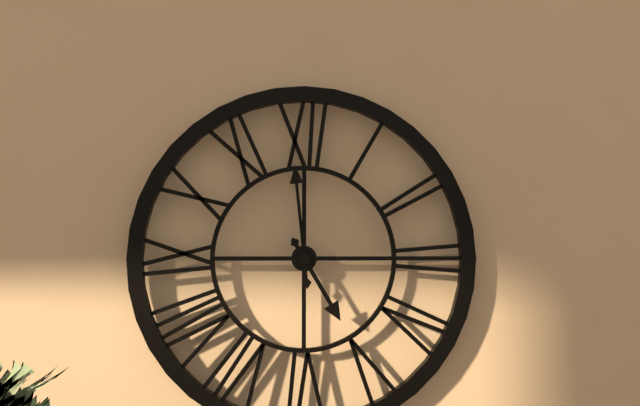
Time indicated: 4h59
